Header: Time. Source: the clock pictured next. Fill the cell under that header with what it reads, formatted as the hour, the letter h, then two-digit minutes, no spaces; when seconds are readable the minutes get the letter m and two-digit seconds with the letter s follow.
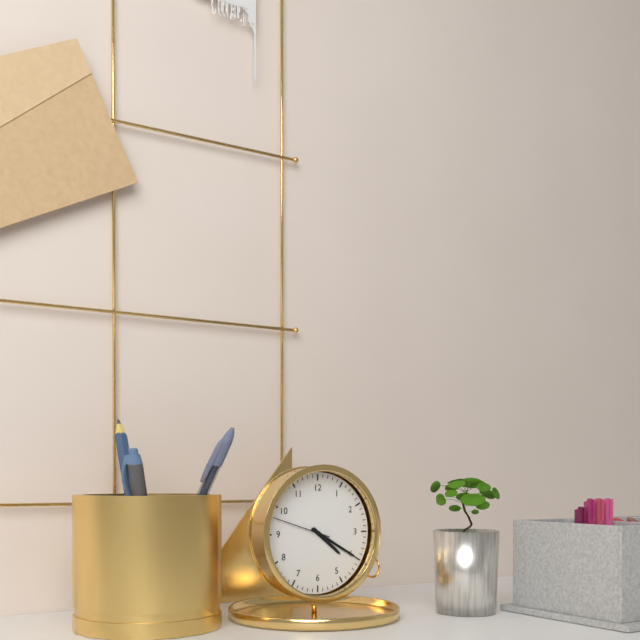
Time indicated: 4h20m48s
